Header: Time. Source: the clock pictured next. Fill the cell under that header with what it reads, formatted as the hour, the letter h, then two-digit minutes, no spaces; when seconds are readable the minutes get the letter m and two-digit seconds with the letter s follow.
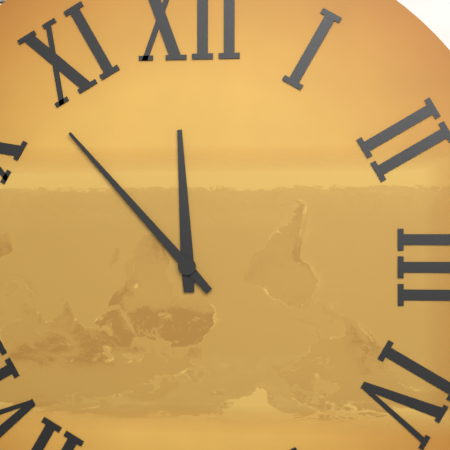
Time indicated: 11h53
